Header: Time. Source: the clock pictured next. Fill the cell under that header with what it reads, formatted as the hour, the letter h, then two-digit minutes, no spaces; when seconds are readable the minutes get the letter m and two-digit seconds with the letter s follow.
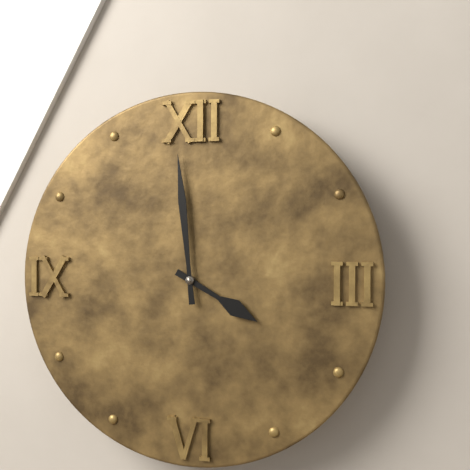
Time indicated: 3h59
